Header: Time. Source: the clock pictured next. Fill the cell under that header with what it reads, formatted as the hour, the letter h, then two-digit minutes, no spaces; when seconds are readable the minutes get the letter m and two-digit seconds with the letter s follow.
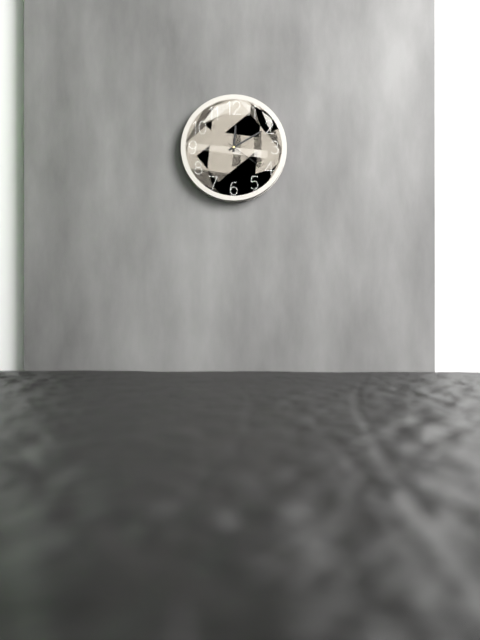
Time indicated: 12h10
